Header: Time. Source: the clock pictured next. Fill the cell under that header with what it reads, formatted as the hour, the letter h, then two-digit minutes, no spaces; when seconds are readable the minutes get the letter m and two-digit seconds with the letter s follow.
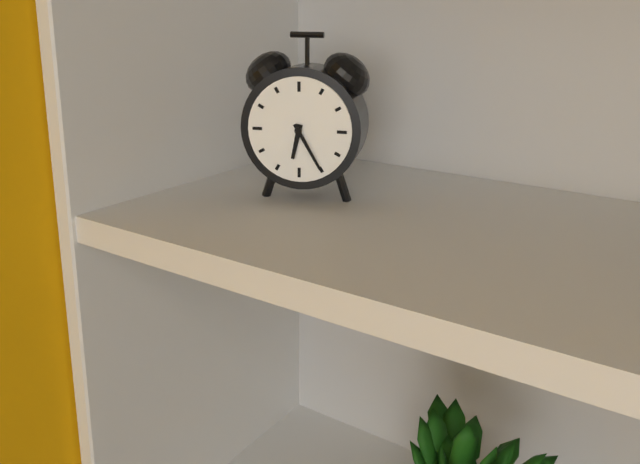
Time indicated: 6h25
